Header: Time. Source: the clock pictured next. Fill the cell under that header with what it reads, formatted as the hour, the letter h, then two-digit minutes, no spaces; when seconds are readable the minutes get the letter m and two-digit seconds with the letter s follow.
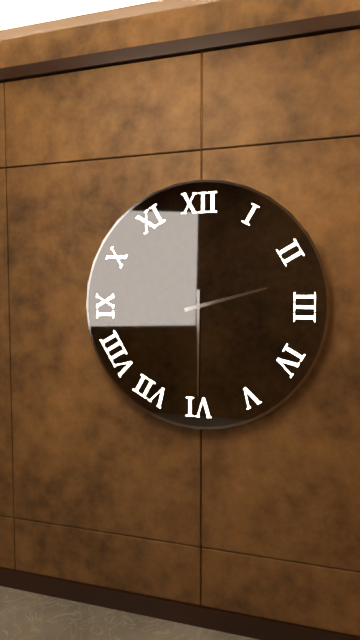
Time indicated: 2h30
